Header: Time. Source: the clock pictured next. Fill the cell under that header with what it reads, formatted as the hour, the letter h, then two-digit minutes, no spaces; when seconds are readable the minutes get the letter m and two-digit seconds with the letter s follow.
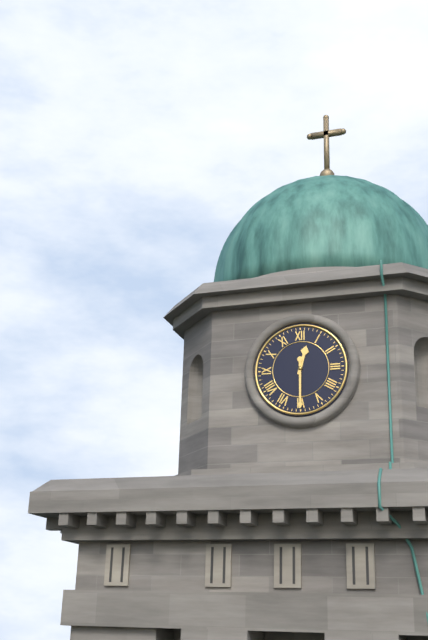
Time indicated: 12h30
